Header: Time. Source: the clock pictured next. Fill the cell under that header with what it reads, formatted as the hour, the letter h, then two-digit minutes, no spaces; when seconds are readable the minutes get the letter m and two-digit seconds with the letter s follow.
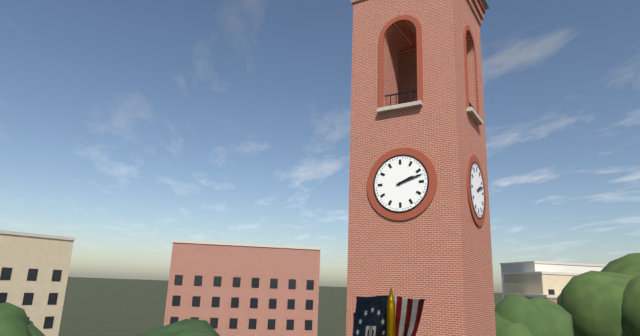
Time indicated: 2h12
